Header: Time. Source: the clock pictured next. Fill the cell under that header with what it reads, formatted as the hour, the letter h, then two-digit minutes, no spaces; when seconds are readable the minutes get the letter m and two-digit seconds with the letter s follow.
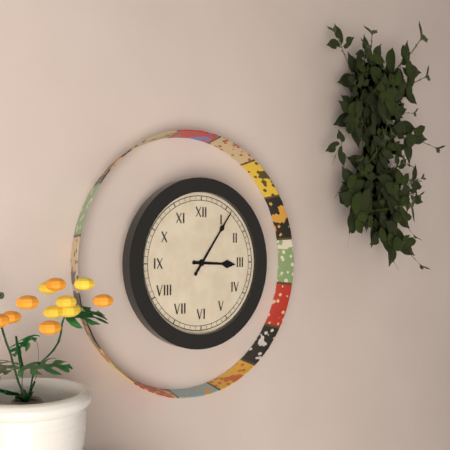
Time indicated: 3h06
